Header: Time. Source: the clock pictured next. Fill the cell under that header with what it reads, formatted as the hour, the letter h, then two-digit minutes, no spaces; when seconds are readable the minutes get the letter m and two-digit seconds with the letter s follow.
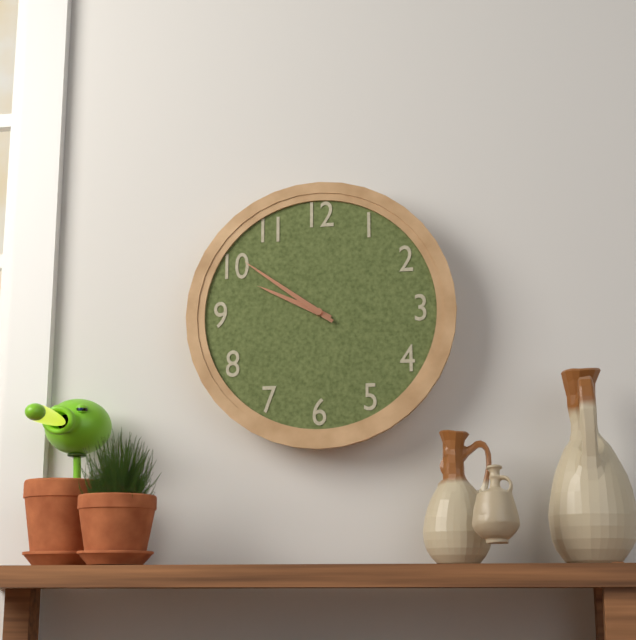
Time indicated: 9h51
